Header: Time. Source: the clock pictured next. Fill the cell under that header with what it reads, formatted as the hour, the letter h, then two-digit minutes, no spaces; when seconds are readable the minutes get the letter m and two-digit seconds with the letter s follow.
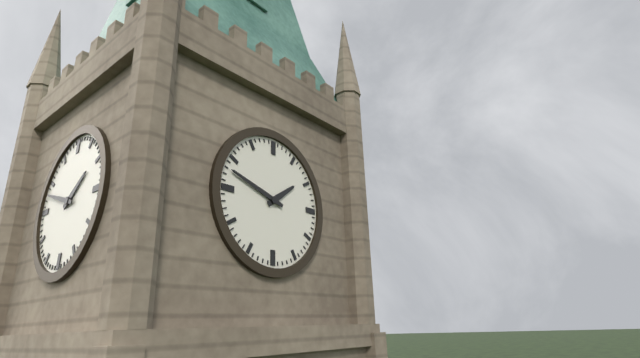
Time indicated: 1h48
